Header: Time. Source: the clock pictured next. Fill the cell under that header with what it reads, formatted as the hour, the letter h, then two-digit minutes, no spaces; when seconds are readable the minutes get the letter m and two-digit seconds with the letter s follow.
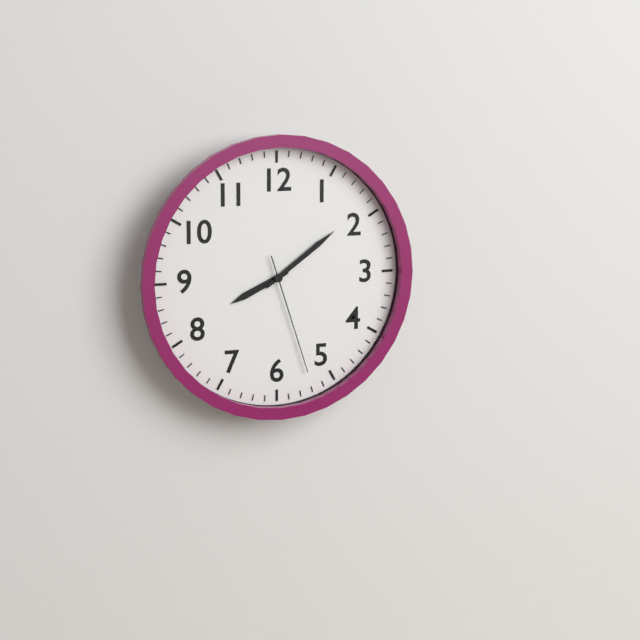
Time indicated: 8h09m27s
